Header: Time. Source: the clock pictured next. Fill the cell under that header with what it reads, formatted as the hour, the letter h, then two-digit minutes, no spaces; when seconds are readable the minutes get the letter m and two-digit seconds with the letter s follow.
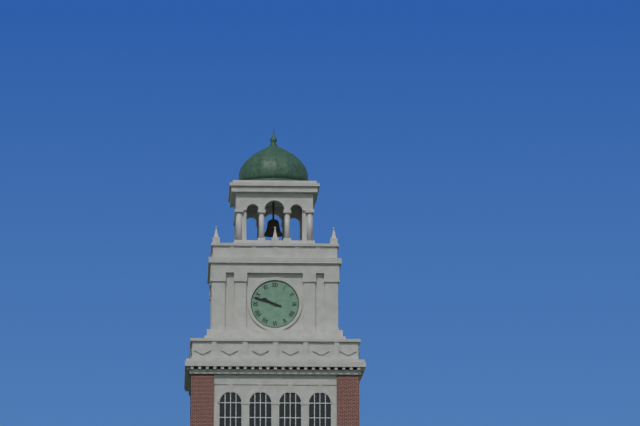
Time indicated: 9h48
